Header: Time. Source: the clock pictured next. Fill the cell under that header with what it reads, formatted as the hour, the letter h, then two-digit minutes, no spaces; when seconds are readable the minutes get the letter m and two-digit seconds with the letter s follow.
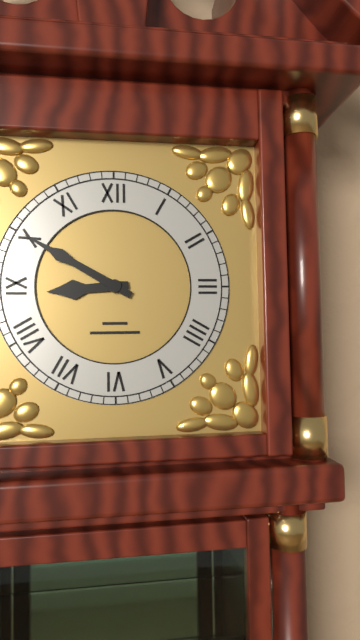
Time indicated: 8h50
